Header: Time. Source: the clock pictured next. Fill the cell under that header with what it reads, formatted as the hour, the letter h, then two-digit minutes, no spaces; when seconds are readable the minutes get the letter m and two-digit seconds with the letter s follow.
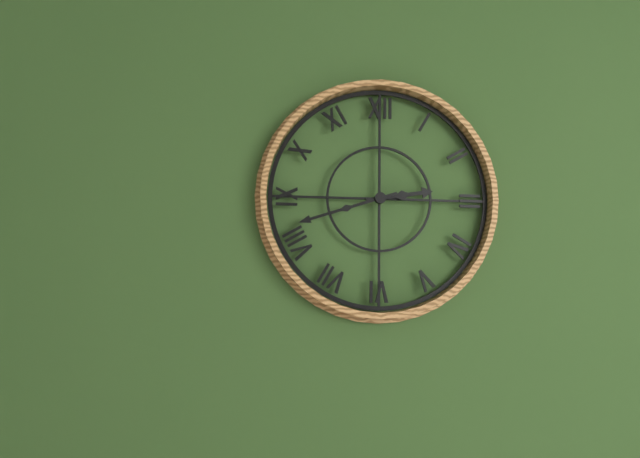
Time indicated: 2h42
